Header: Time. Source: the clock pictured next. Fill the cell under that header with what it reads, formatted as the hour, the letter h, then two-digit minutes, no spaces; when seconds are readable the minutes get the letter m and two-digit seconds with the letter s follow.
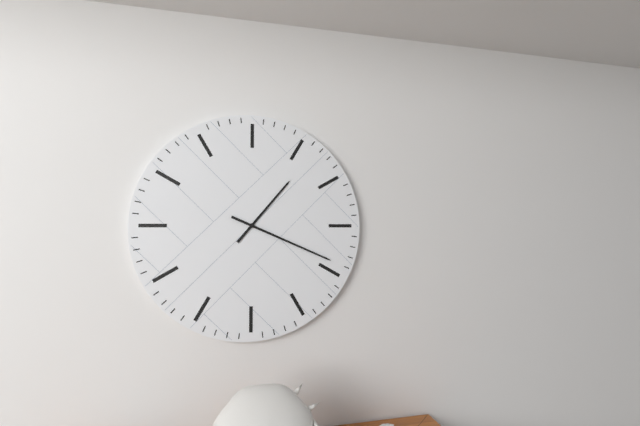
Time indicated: 1h19
